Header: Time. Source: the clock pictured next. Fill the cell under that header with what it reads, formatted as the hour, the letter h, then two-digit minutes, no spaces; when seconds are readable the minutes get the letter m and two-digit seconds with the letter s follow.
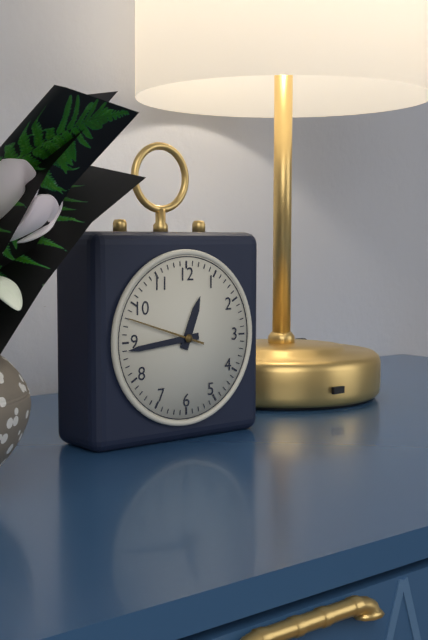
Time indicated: 12h44m48s
